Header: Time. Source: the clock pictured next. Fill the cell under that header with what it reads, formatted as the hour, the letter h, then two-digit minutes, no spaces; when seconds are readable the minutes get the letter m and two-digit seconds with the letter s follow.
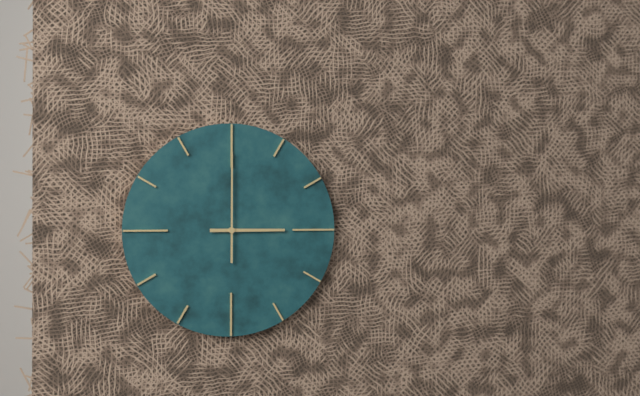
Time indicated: 3h00
